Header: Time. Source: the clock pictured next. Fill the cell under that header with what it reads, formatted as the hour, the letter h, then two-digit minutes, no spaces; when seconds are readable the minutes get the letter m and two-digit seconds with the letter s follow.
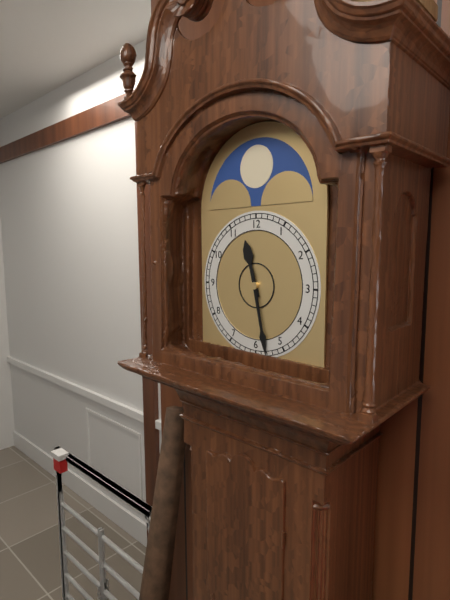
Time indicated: 11h28
